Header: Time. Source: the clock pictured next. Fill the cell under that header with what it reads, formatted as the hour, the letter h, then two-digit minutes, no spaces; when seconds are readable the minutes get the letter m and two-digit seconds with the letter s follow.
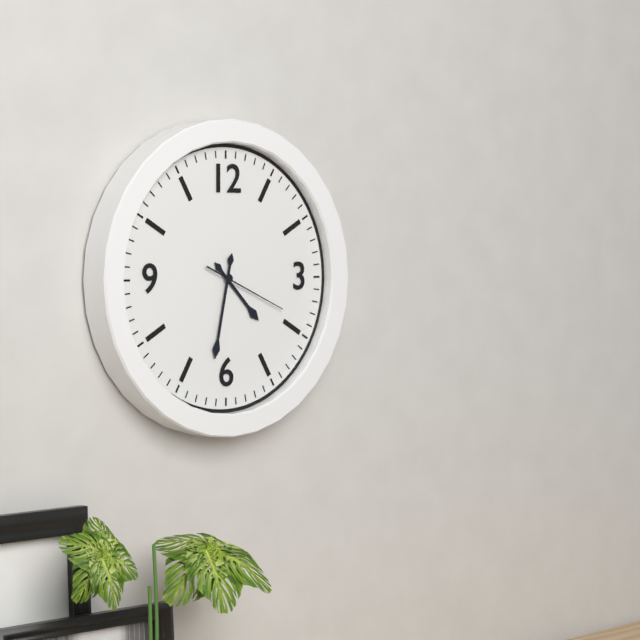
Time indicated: 4h32m19s
